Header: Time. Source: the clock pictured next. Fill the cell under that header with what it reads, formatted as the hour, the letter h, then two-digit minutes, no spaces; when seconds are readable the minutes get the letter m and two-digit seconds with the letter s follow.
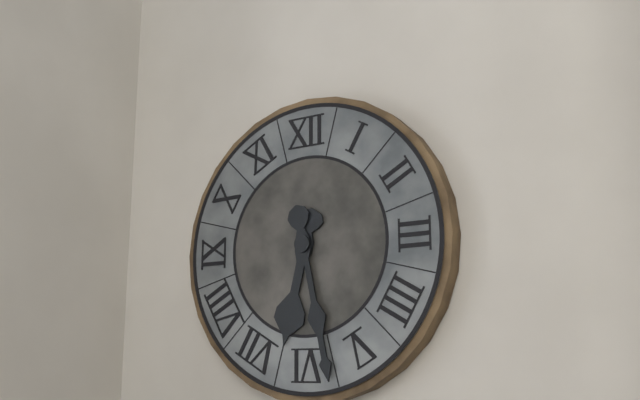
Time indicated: 6h28
